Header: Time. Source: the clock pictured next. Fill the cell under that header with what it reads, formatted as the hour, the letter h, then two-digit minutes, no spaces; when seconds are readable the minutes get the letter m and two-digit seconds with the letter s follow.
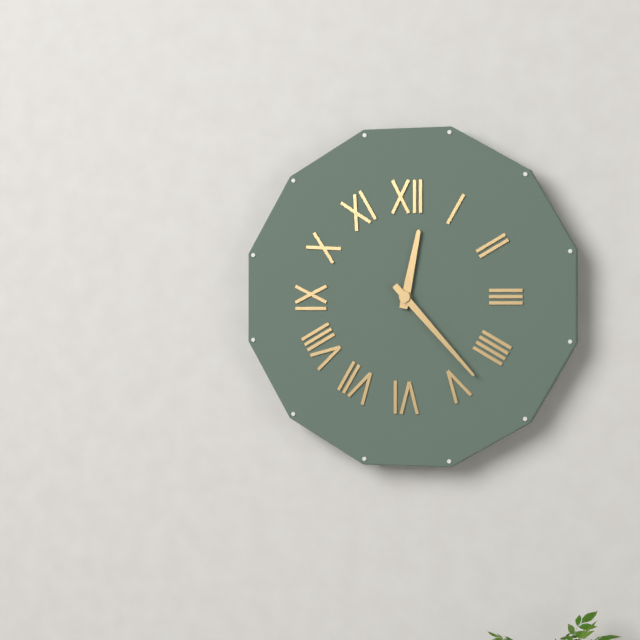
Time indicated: 12h23
